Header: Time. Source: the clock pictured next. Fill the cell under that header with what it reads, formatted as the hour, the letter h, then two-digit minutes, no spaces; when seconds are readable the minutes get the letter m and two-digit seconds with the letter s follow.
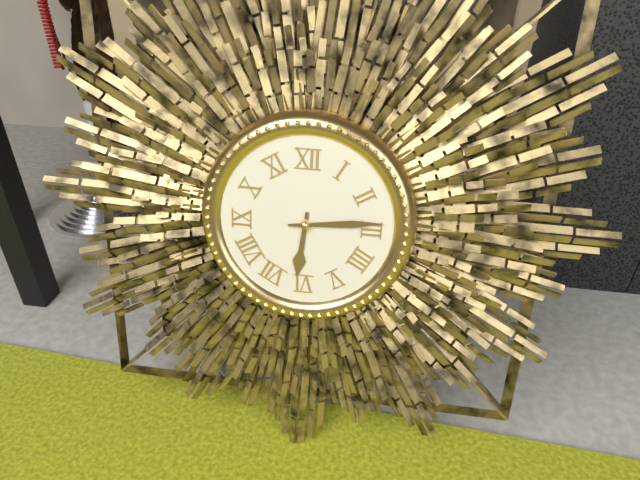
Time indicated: 6h14
